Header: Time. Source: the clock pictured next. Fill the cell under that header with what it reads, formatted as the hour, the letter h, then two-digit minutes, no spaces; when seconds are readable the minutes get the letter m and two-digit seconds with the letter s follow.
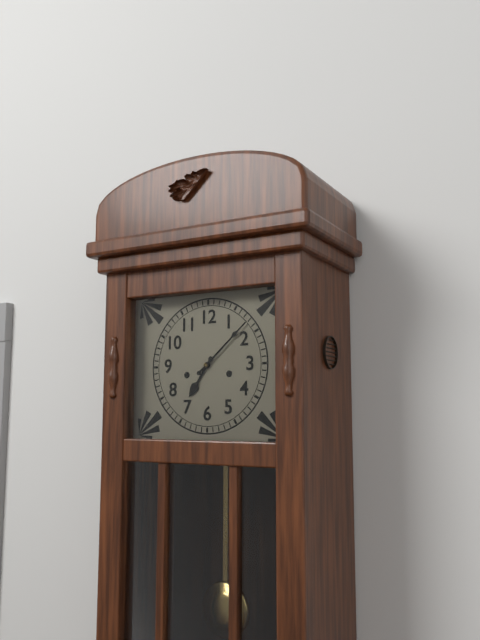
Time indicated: 7h08
